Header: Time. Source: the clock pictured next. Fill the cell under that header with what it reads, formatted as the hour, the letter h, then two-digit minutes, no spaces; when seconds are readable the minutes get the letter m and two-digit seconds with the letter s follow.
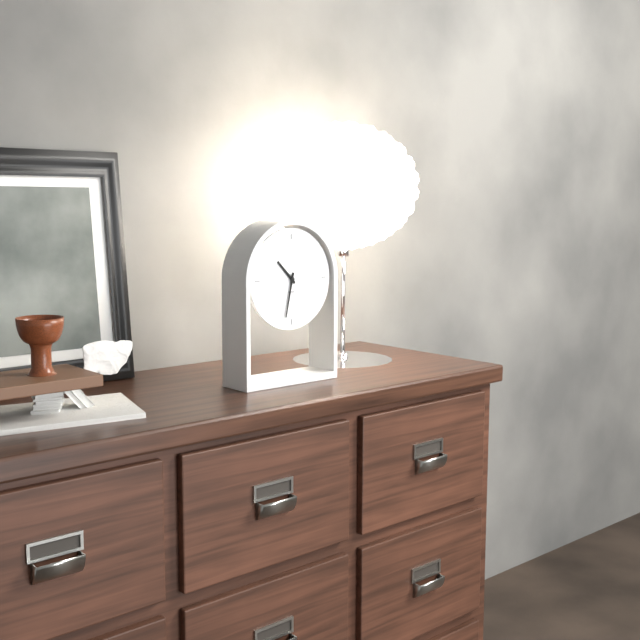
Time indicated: 10h32
